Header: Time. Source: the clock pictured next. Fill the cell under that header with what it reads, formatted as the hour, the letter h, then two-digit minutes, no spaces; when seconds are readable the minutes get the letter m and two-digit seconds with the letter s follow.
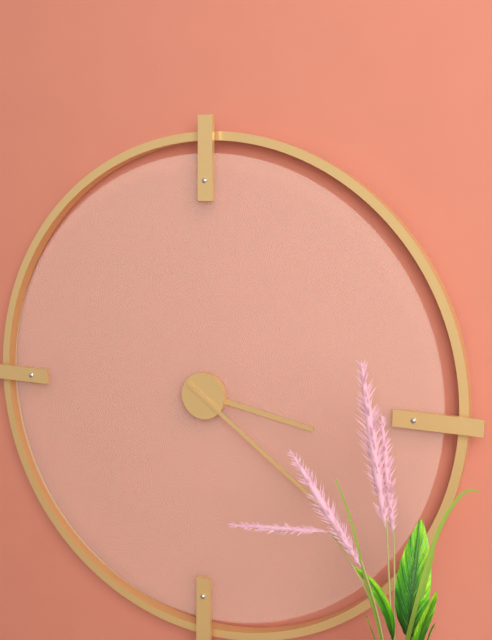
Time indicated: 3h21
